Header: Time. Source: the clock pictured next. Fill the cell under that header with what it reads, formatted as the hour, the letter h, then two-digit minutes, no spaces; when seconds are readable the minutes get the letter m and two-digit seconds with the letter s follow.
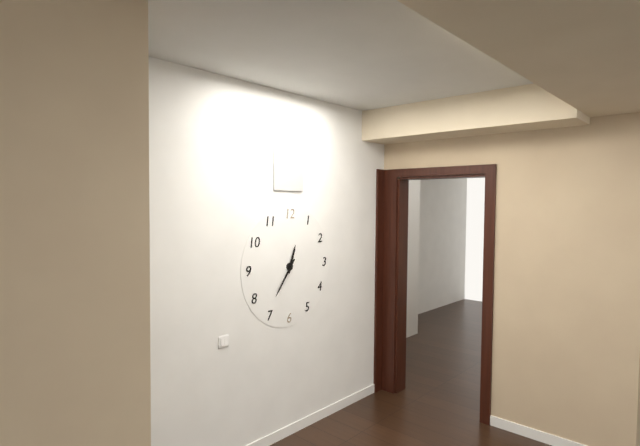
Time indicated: 12h36
